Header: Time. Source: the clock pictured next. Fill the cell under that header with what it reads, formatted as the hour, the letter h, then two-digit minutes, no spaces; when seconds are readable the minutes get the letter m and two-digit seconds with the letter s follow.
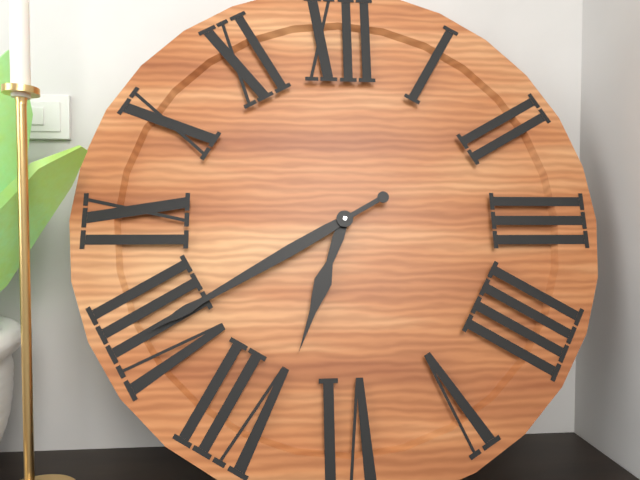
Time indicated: 6h40
